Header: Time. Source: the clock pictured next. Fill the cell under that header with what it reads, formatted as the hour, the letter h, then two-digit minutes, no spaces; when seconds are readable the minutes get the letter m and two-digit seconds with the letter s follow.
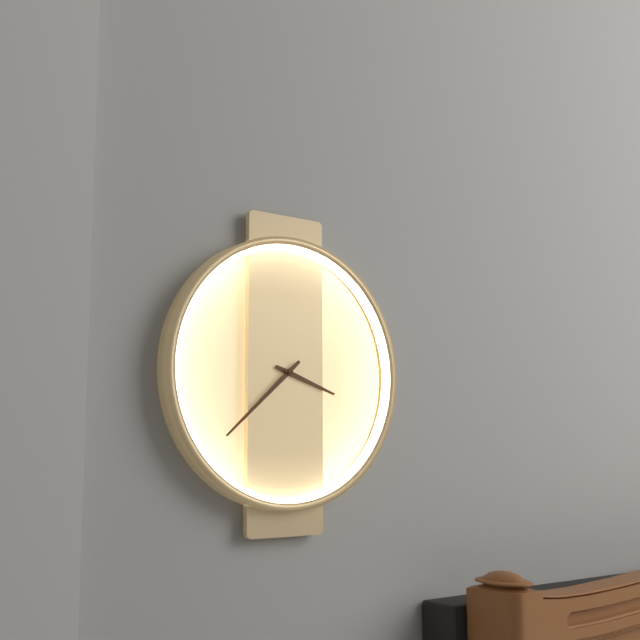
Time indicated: 3h38
